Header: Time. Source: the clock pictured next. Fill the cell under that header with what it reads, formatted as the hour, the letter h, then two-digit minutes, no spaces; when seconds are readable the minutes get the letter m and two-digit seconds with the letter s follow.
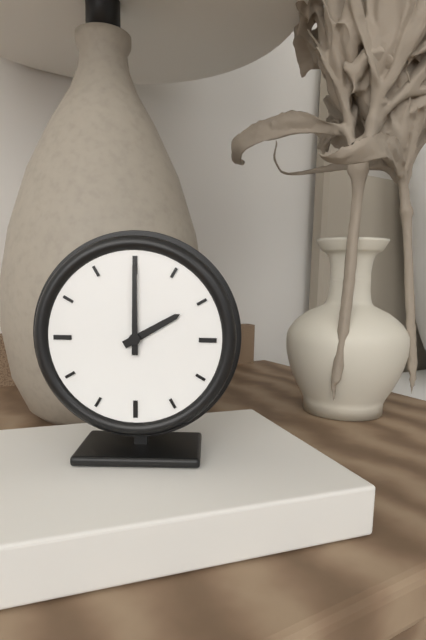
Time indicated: 2h00
